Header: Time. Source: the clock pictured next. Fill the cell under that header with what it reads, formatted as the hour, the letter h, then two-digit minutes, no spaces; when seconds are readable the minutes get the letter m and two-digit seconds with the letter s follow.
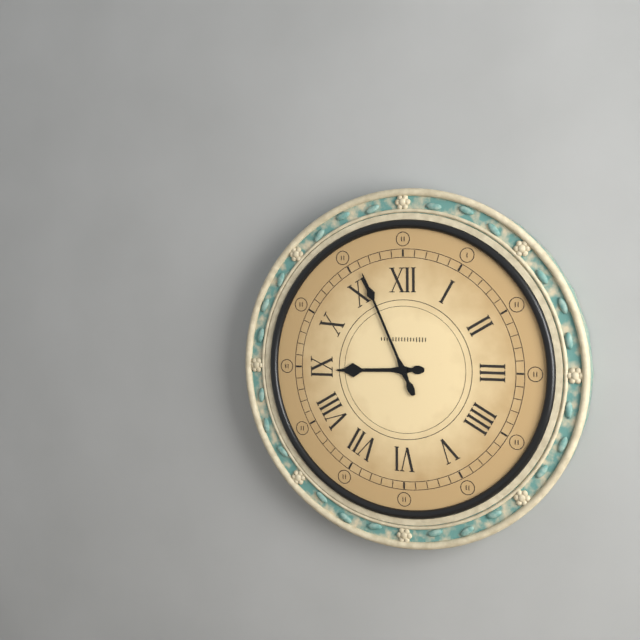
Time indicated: 8h56
